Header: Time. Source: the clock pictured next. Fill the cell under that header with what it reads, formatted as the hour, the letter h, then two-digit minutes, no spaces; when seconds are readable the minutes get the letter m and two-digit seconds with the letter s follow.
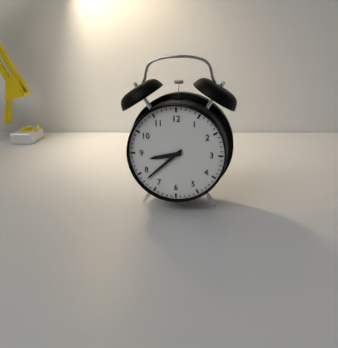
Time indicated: 8h38
